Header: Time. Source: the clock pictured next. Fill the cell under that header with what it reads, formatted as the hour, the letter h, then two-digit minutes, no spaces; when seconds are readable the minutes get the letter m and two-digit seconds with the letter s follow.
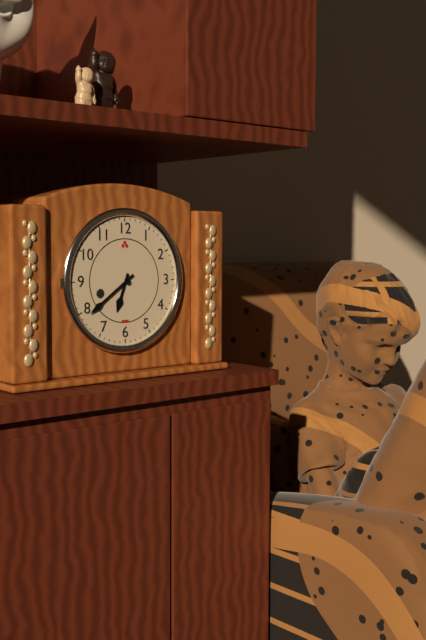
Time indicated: 6h39
